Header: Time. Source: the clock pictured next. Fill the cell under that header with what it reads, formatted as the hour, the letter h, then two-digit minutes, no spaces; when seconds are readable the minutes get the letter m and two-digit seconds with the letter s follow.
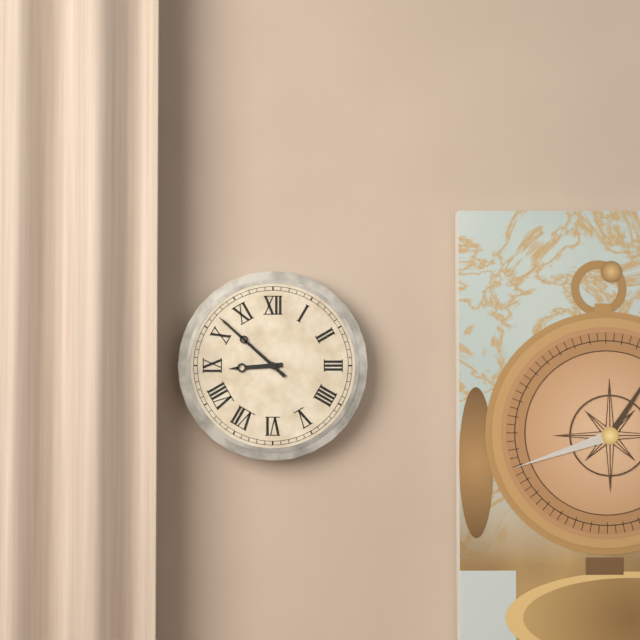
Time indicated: 8h52
